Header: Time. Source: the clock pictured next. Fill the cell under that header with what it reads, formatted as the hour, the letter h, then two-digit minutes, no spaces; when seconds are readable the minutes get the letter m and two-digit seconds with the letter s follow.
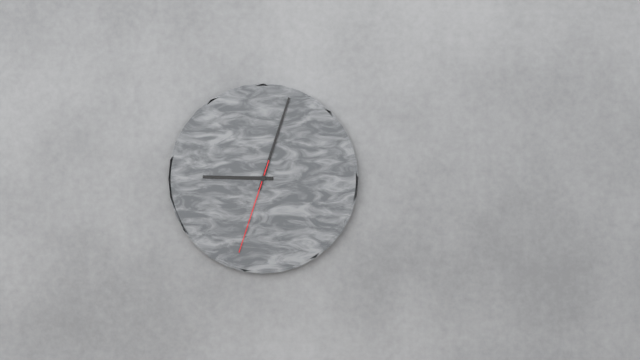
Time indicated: 9h03m33s
